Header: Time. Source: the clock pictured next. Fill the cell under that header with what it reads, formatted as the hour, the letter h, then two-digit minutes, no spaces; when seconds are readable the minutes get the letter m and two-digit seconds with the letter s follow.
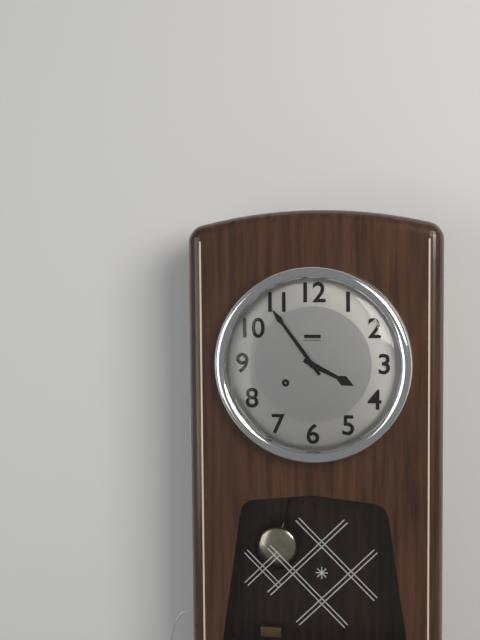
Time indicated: 3h54
